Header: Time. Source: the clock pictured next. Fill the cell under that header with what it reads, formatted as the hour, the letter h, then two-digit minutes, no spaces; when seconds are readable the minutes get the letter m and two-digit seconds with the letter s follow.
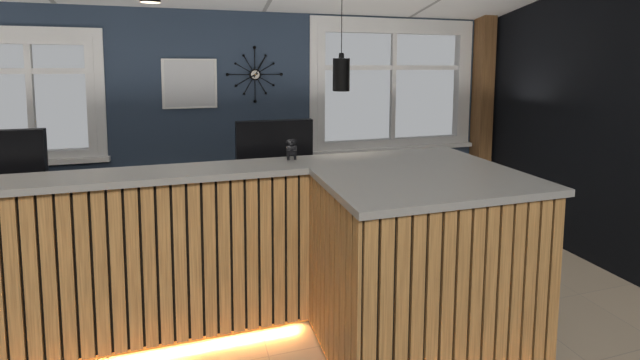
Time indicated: 8h05
